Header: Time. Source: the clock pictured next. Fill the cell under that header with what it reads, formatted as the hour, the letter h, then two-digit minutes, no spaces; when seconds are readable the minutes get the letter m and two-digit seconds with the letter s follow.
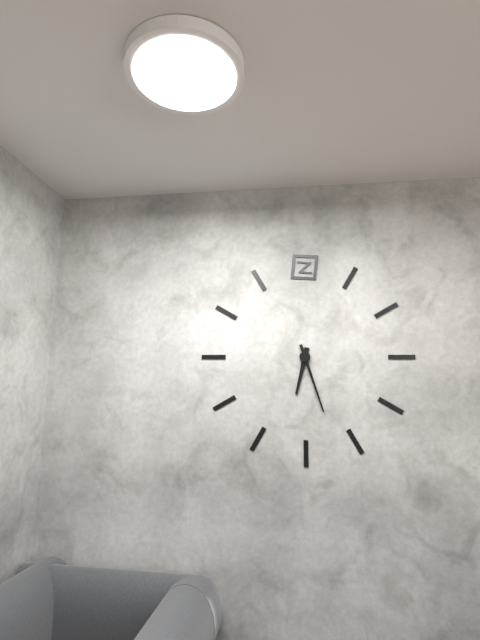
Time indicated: 6h27
